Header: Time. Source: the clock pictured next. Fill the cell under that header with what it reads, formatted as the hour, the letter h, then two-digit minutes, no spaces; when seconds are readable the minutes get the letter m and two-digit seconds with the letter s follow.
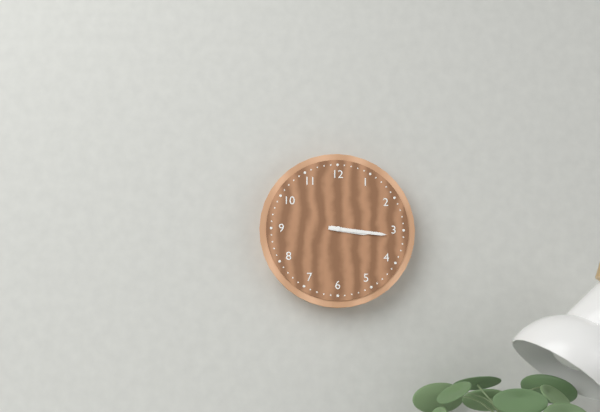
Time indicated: 3h16
